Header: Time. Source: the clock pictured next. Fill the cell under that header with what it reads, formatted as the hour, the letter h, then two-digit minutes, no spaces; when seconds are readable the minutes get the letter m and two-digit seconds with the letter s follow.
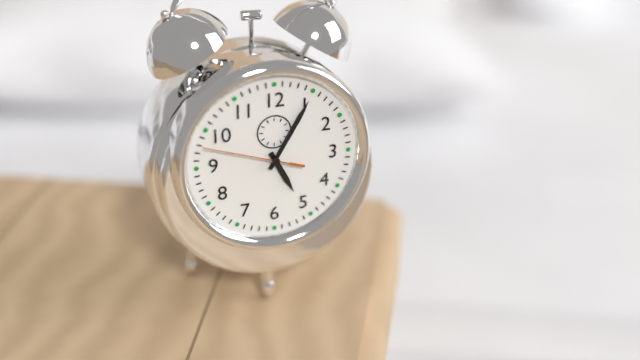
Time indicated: 5h05m48s
